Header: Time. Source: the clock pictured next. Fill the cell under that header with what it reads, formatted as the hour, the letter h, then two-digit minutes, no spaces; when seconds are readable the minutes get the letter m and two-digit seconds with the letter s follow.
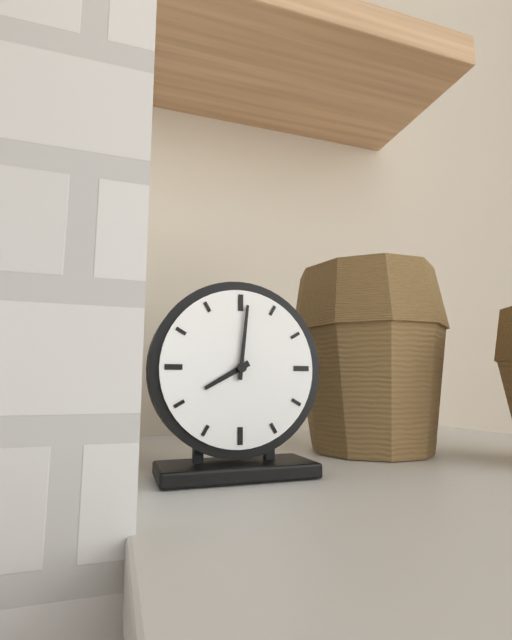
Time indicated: 8h01
